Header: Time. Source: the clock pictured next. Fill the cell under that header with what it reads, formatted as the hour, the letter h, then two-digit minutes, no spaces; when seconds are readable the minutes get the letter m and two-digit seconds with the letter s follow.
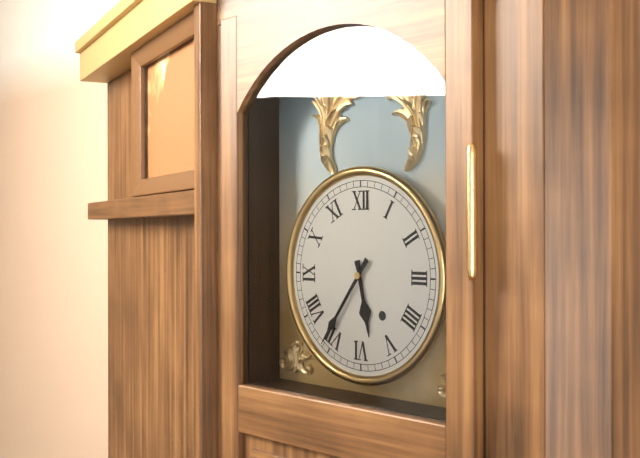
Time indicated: 5h36
